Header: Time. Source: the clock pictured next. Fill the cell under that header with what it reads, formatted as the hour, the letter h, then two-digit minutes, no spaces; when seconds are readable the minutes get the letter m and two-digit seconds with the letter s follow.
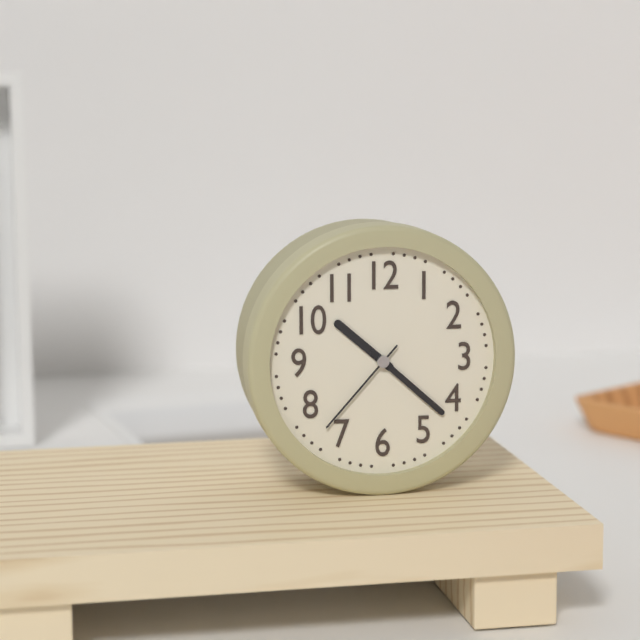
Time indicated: 10h22m37s
